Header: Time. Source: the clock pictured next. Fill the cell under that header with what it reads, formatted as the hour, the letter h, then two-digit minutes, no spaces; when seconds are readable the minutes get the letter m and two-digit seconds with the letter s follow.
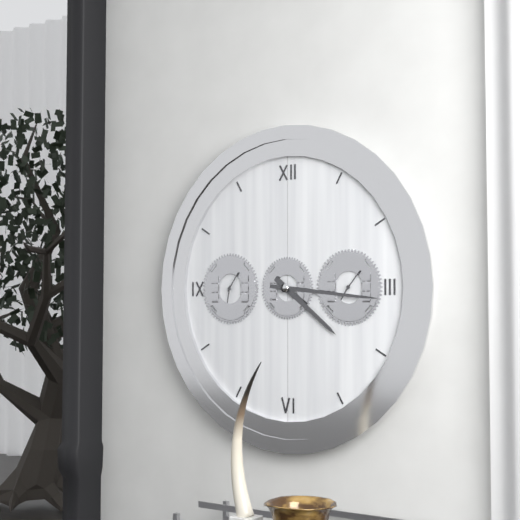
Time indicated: 4h16
